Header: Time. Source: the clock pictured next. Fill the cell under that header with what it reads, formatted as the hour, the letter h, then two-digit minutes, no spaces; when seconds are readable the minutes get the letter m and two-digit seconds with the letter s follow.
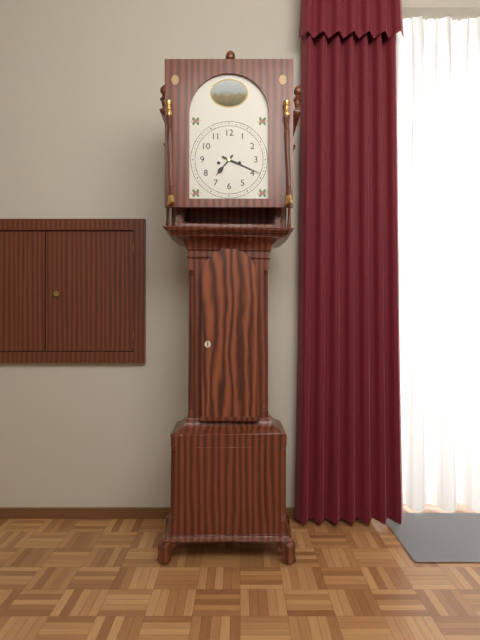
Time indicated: 7h19
